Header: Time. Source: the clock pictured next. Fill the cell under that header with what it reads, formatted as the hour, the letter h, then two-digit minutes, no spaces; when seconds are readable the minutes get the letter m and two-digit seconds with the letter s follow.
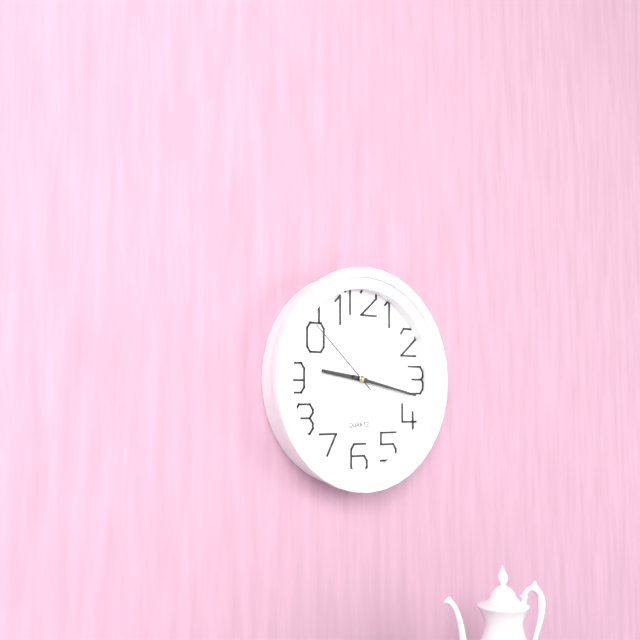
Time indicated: 9h17m52s
